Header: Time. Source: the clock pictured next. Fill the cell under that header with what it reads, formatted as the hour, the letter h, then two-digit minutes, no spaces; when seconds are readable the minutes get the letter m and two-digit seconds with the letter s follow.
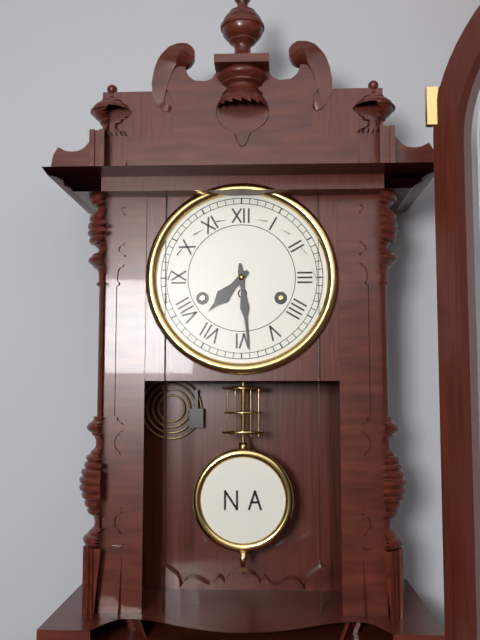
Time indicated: 7h29
